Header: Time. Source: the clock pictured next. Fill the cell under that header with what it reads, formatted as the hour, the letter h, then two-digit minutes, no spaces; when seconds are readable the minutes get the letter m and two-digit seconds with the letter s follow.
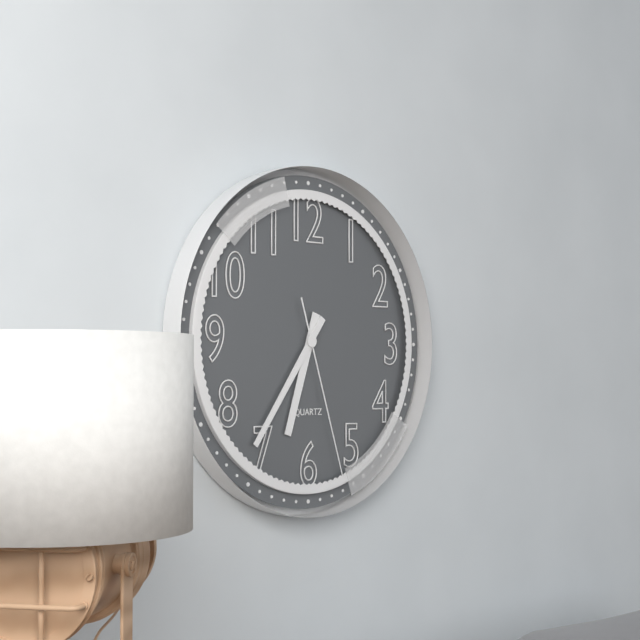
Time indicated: 6h36m27s
